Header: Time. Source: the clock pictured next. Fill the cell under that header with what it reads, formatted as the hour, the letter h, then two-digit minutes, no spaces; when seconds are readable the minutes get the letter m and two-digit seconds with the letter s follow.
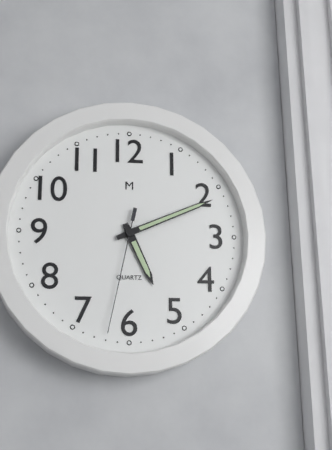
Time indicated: 5h11m32s
